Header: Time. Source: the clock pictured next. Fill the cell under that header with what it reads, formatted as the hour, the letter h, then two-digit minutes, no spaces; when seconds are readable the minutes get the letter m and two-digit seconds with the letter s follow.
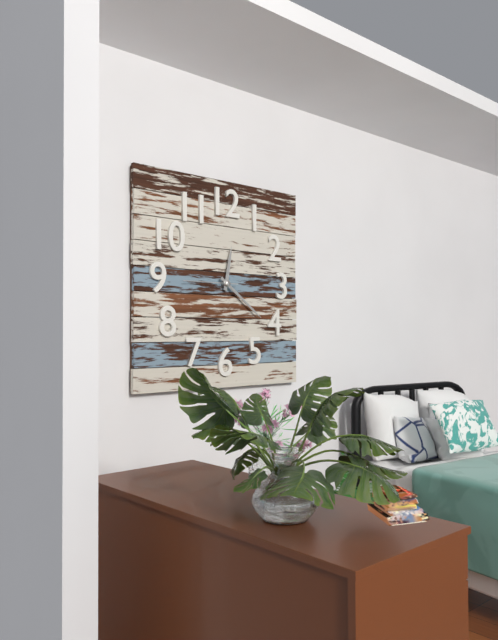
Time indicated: 12h21m45s
